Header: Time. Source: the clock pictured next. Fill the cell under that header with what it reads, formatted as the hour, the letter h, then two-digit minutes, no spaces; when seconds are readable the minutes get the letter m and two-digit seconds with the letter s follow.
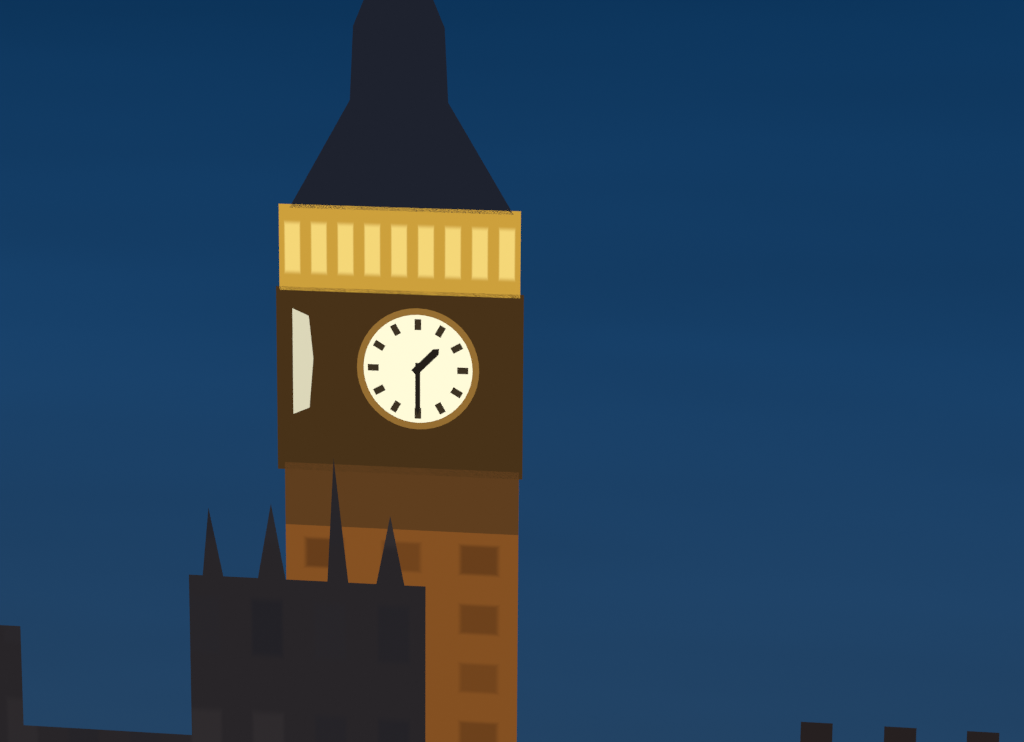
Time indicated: 1h30
